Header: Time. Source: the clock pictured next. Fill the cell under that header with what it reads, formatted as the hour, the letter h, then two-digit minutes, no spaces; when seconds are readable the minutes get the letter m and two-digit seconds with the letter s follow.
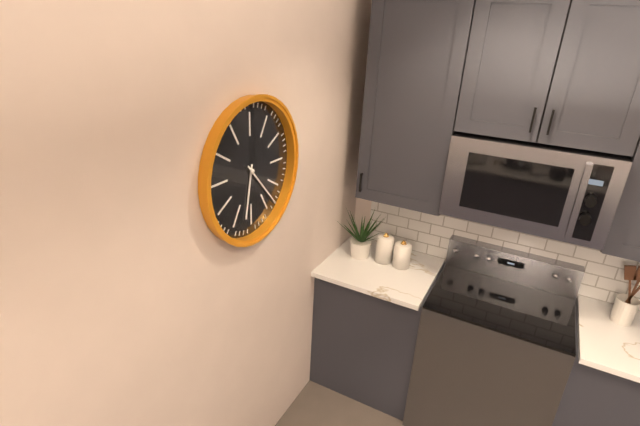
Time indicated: 6h23
